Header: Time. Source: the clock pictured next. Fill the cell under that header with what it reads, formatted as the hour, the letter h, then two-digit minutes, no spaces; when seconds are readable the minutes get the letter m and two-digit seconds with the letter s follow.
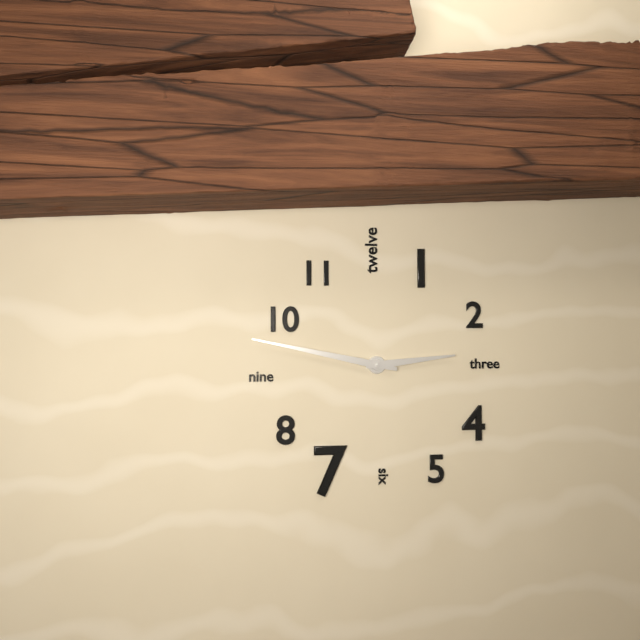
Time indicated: 2h47
